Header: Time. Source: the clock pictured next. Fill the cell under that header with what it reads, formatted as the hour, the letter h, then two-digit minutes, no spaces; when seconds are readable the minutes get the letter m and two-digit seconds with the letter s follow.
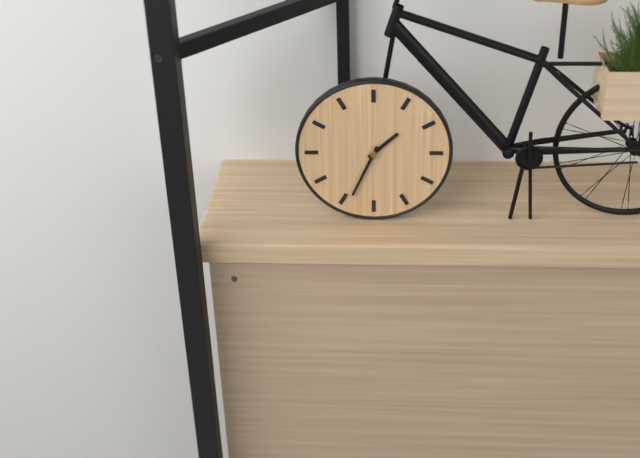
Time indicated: 1h34
